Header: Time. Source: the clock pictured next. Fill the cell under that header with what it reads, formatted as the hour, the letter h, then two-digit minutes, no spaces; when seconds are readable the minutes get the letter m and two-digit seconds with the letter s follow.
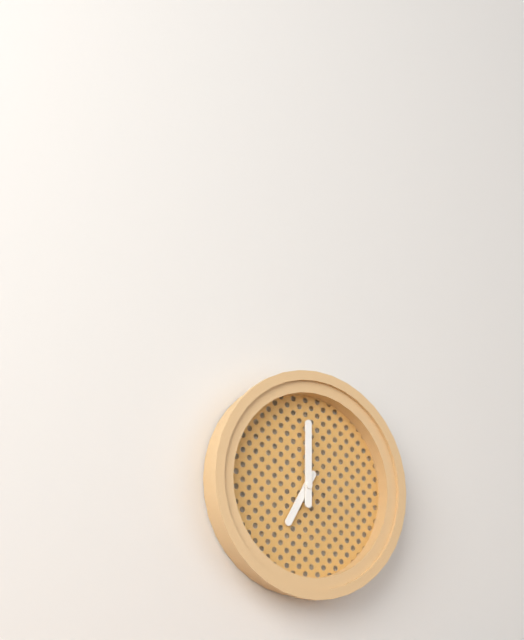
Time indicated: 7h00
